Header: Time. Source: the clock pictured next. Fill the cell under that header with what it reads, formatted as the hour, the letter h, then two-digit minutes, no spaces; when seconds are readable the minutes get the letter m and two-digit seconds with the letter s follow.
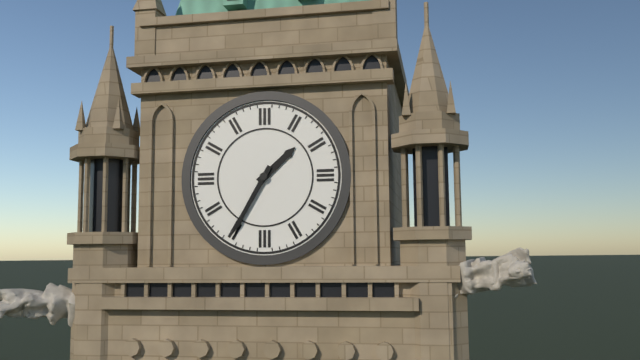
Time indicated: 1h35
